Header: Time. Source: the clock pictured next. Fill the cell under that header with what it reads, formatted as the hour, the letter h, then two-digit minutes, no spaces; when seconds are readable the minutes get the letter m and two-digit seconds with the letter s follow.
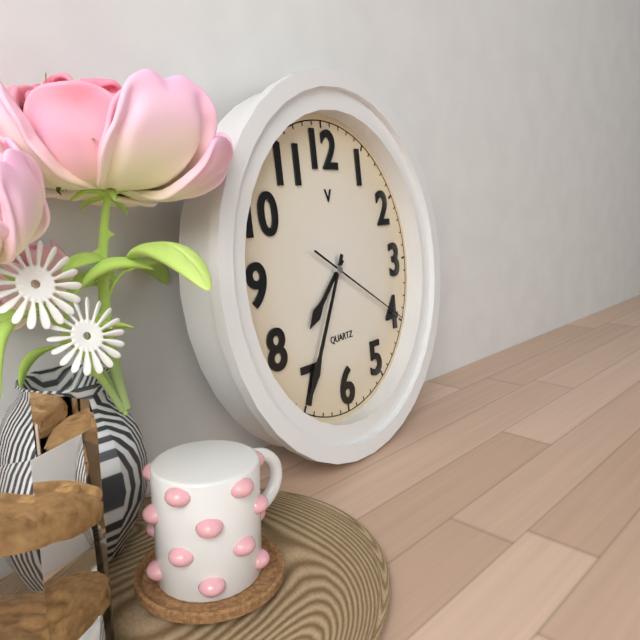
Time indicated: 7h35m20s
